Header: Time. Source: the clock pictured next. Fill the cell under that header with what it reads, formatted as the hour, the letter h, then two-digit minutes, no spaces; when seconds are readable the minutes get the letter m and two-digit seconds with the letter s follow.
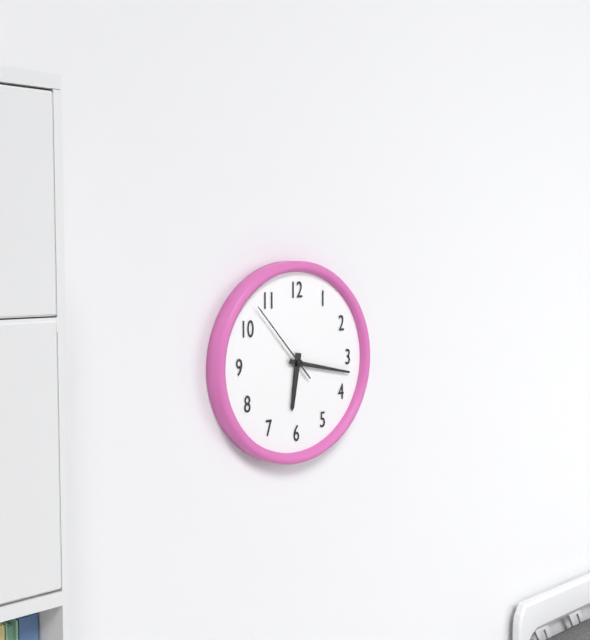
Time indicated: 6h17m53s
